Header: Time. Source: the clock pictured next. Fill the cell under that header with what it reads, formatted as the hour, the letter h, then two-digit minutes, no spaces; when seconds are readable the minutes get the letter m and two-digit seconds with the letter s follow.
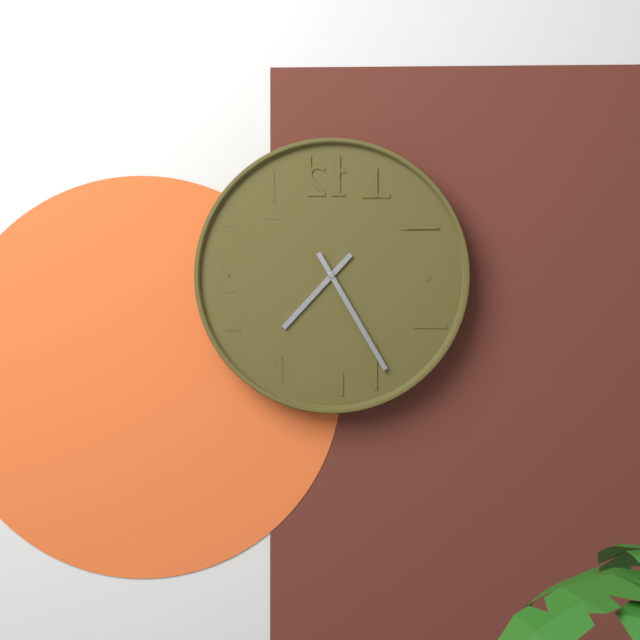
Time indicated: 7h25
